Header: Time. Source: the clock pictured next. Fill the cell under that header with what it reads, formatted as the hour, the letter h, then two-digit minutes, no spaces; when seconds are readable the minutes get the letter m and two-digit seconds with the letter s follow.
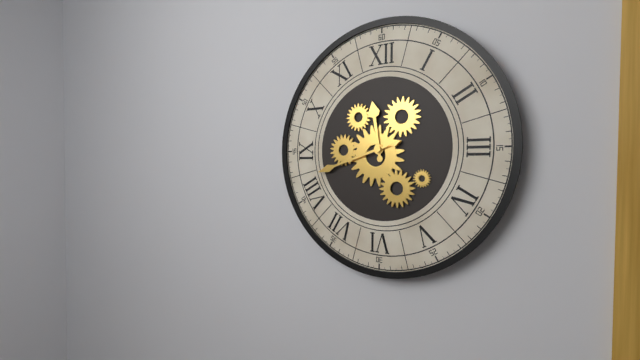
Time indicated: 11h42
